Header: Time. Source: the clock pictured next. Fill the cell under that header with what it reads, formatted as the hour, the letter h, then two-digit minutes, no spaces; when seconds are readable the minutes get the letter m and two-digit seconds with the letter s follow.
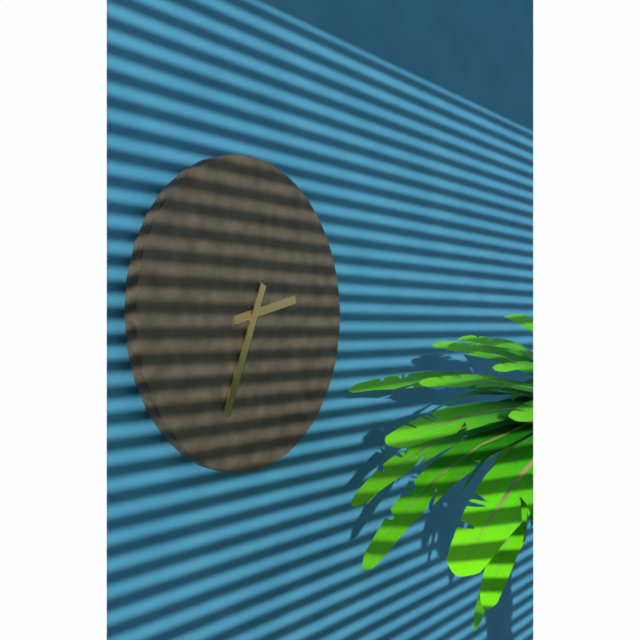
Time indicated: 2h34
